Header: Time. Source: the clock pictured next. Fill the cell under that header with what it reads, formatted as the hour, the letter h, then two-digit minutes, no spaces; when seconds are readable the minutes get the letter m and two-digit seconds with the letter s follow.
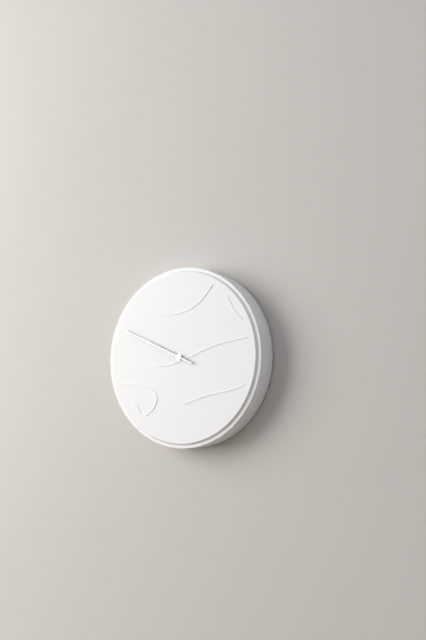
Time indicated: 9h49
